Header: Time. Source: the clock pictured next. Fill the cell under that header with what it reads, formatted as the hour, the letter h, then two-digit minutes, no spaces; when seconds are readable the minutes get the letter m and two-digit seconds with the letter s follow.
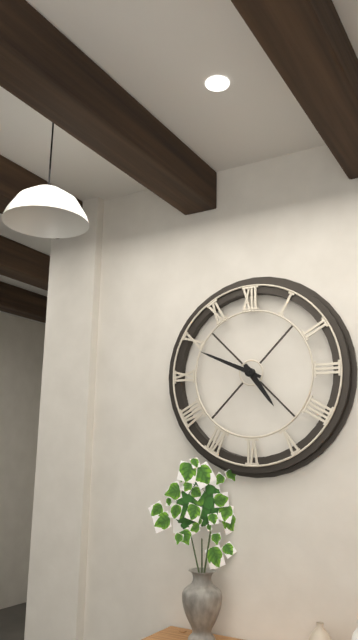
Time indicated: 4h49
